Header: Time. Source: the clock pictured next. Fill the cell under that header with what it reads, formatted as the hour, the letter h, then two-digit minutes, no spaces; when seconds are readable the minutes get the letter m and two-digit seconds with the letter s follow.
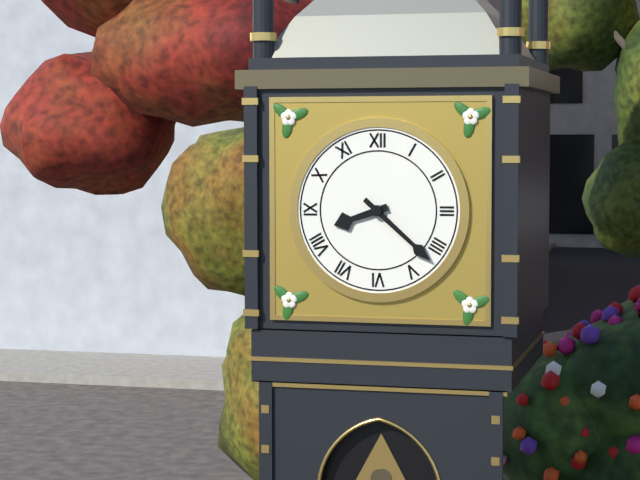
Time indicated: 8h22
